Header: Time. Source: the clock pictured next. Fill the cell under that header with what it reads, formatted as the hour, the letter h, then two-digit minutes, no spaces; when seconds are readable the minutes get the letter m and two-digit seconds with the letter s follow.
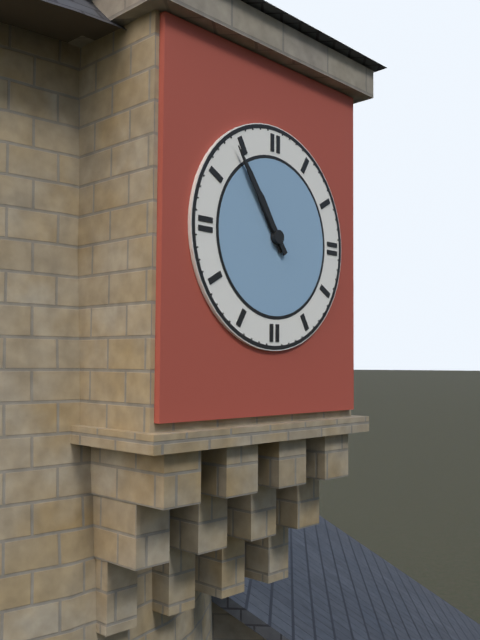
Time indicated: 10h54
